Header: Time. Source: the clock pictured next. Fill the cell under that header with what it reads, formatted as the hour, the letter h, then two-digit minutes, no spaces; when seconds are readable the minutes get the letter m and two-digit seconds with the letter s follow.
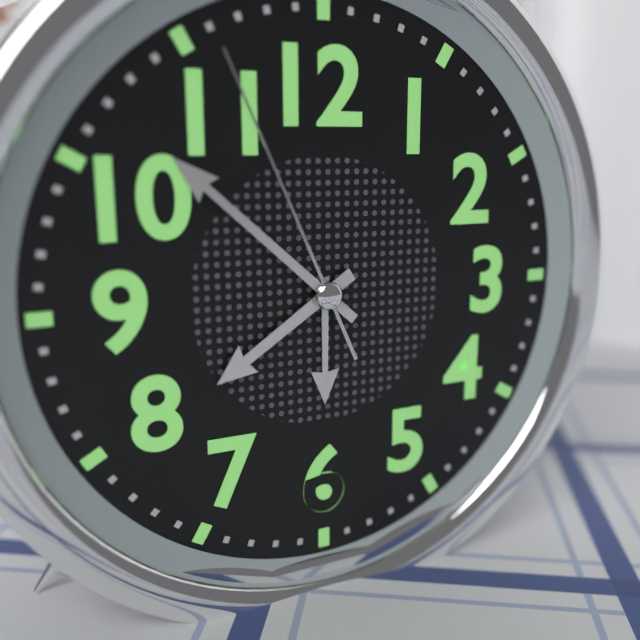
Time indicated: 7h52m56s
